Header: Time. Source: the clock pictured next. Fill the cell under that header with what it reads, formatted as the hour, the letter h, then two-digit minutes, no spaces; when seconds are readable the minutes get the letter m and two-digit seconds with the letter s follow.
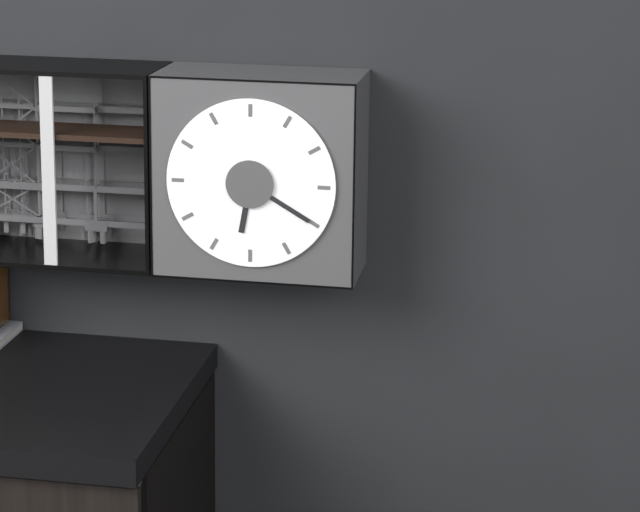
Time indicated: 6h20
